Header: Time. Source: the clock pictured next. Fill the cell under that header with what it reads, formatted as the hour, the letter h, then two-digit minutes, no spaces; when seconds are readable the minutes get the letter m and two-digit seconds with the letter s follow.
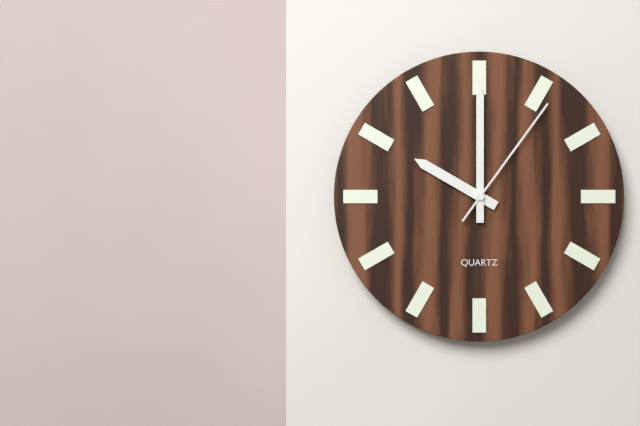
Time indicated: 10h00m06s
